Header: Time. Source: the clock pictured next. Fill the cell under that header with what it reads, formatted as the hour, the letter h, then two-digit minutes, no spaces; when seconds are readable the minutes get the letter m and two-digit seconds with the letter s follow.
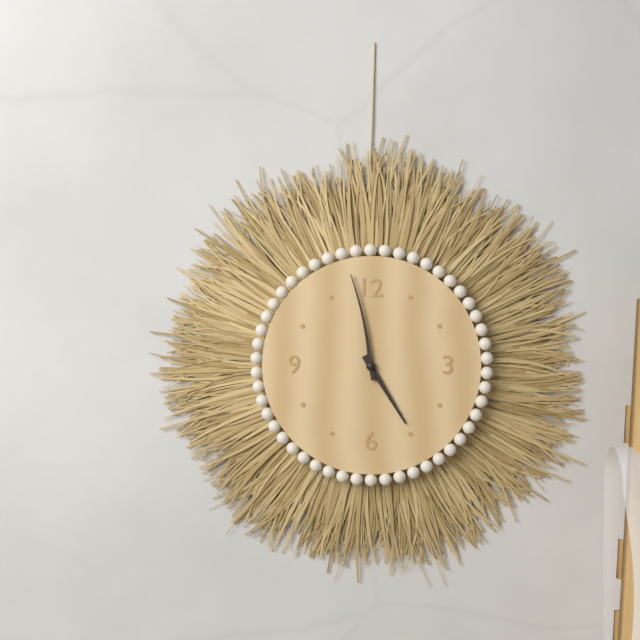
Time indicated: 4h58
